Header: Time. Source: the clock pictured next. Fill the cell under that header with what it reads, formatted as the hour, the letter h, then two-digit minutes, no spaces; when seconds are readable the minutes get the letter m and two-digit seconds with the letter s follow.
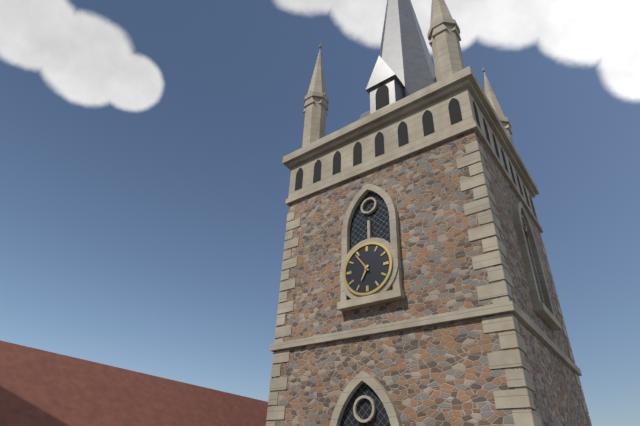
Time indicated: 6h54
